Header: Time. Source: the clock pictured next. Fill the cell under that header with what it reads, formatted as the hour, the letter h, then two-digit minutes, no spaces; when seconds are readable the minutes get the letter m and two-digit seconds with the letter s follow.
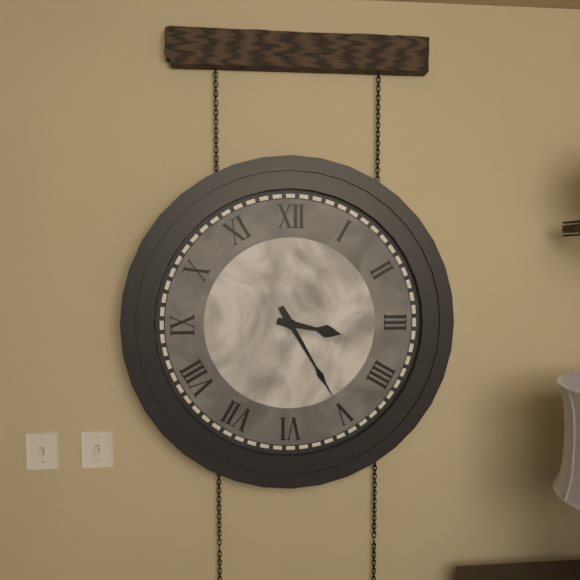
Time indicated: 3h25
